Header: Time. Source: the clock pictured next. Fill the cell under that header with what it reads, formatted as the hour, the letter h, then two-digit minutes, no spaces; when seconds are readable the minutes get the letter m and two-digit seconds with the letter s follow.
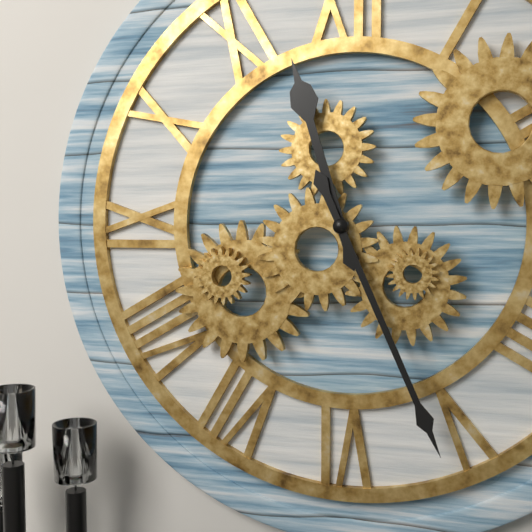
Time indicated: 11h26
